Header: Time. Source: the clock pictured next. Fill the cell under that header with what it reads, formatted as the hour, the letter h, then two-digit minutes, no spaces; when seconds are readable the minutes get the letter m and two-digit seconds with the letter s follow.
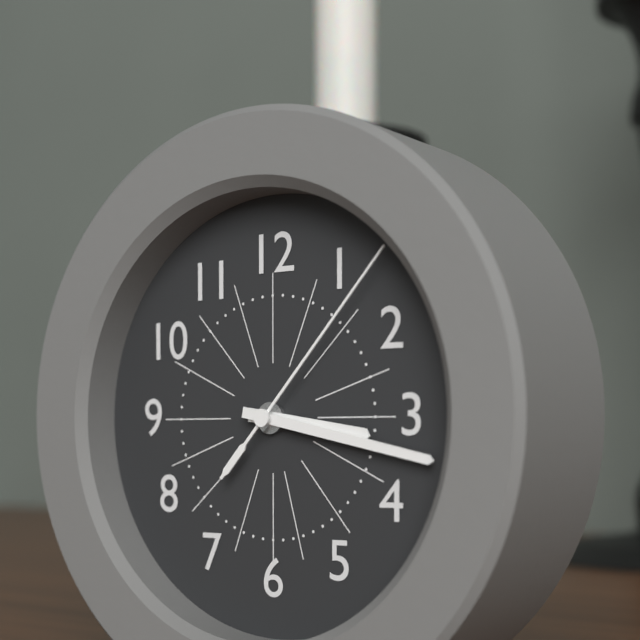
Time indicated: 3h17m07s
